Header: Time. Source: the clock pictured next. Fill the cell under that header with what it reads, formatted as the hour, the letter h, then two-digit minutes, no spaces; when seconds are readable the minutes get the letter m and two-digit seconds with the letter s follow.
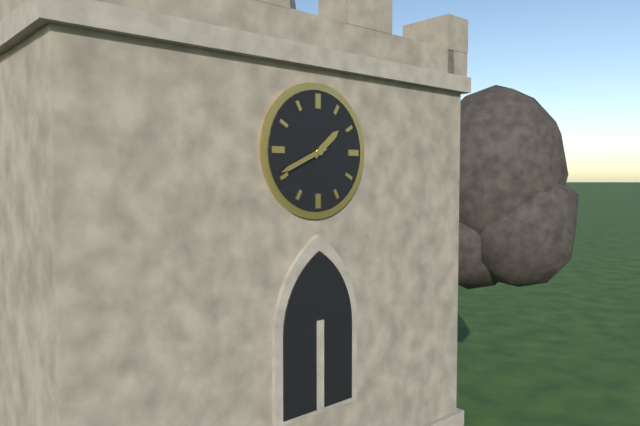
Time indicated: 1h41
